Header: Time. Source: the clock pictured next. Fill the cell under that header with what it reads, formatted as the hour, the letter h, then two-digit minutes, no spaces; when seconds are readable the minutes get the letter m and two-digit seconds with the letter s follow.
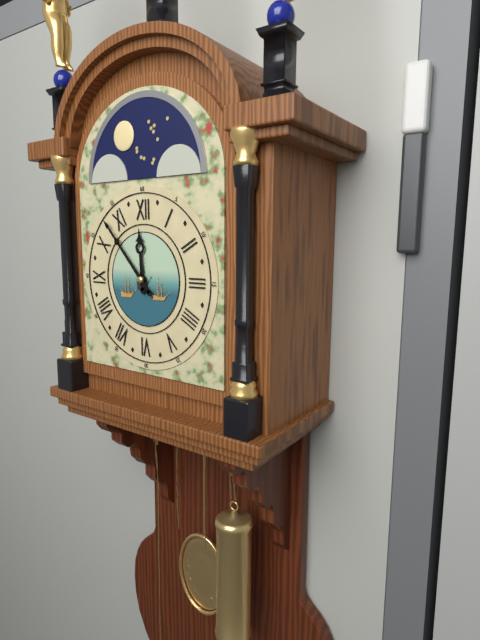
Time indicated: 11h53
